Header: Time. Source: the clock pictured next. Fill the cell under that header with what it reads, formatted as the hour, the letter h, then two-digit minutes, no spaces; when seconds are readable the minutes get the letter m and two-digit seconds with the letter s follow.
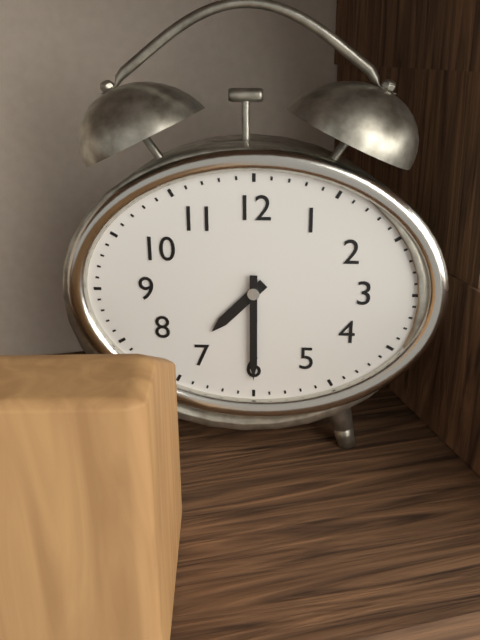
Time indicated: 7h30
